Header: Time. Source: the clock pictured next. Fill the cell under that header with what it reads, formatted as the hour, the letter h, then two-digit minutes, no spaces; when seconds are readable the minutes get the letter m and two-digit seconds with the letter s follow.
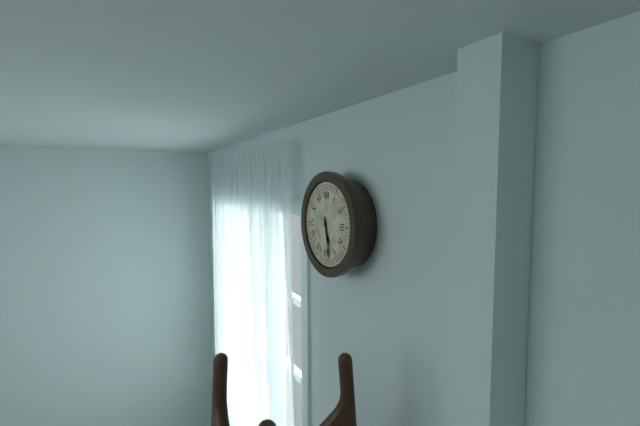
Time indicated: 5h28
